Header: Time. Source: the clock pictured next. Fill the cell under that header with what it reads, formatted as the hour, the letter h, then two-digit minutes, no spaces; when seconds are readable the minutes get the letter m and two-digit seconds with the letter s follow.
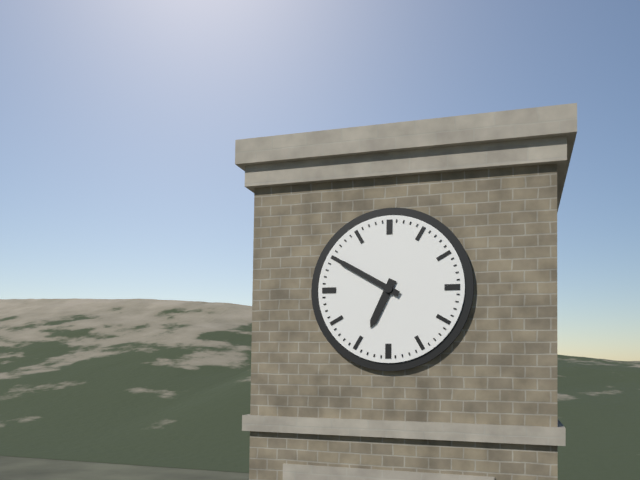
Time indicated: 6h50
